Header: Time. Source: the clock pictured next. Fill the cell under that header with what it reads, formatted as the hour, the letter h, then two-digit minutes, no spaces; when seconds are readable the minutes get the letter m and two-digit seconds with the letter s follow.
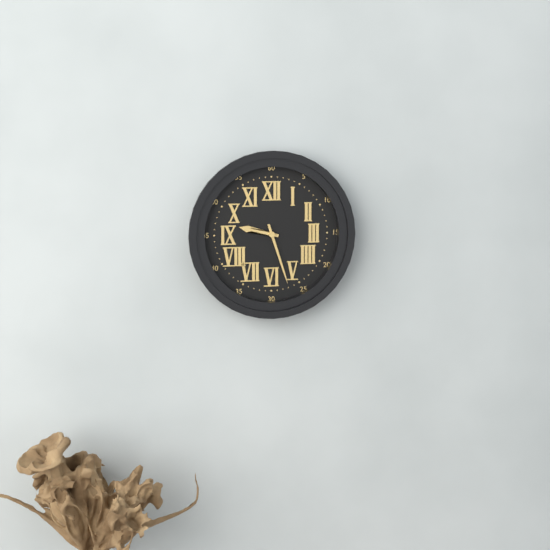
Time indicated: 9h27
